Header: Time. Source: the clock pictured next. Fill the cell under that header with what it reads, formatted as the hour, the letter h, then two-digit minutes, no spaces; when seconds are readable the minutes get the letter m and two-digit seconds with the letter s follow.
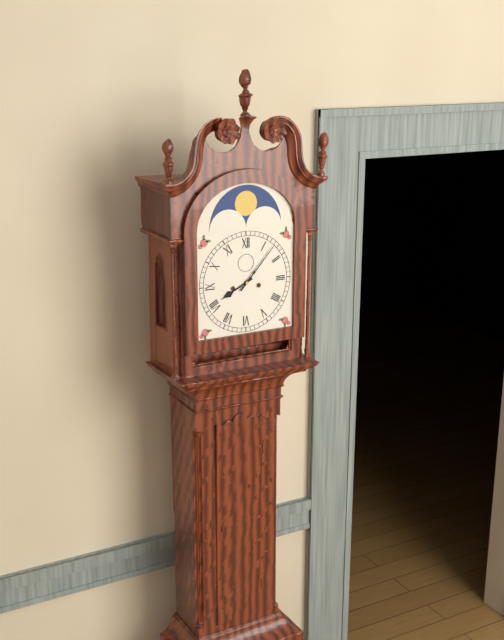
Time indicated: 8h07
